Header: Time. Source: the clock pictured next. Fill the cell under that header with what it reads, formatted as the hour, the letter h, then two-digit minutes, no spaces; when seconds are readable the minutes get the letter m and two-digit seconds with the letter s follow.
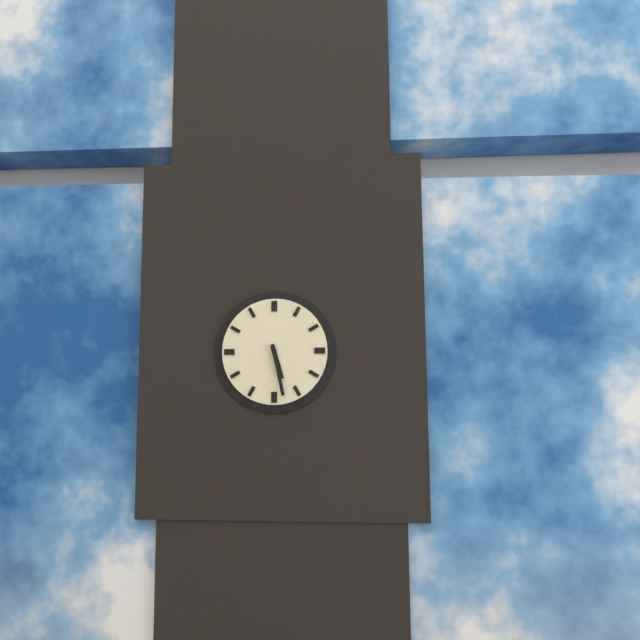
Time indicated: 5h28
